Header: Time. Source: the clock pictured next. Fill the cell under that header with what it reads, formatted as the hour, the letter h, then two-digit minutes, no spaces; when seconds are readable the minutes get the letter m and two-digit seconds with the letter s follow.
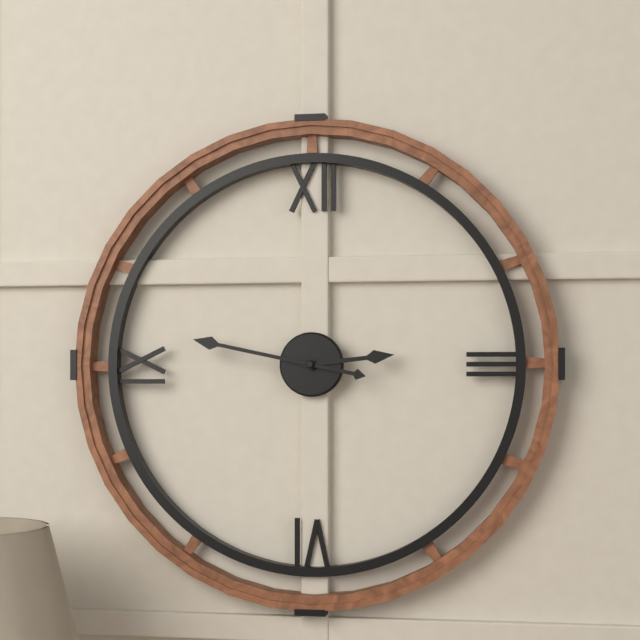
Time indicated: 2h47
